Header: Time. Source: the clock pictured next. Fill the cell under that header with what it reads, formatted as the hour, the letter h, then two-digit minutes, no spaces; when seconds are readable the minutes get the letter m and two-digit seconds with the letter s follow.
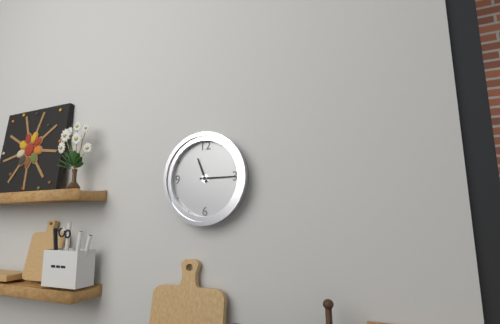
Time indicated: 11h15
